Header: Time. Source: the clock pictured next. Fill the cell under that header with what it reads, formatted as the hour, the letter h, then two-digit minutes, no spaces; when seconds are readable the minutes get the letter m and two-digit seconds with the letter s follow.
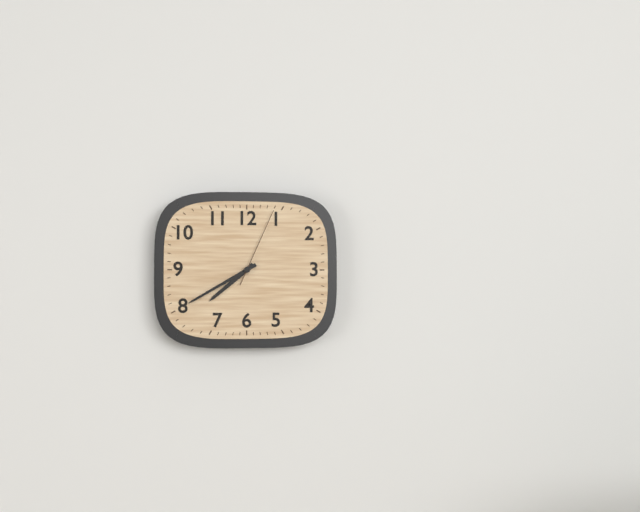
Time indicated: 7h40m04s
